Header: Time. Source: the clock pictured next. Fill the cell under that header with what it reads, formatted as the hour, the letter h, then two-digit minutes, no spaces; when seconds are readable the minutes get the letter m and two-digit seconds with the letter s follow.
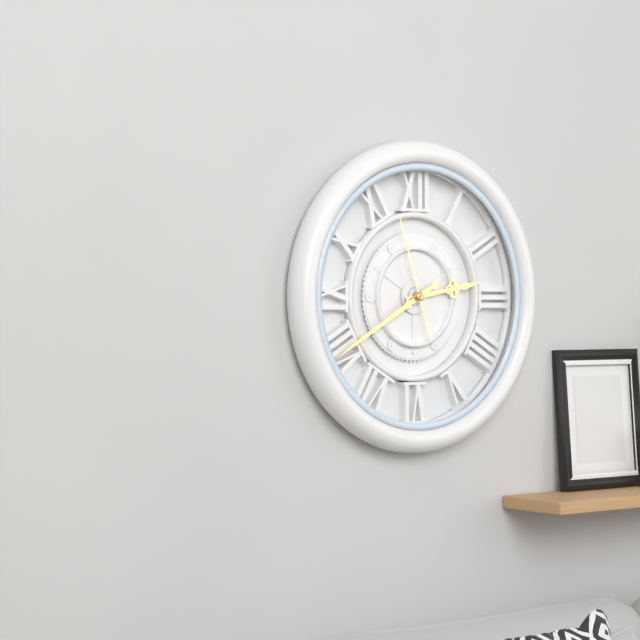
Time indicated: 2h40m57s
